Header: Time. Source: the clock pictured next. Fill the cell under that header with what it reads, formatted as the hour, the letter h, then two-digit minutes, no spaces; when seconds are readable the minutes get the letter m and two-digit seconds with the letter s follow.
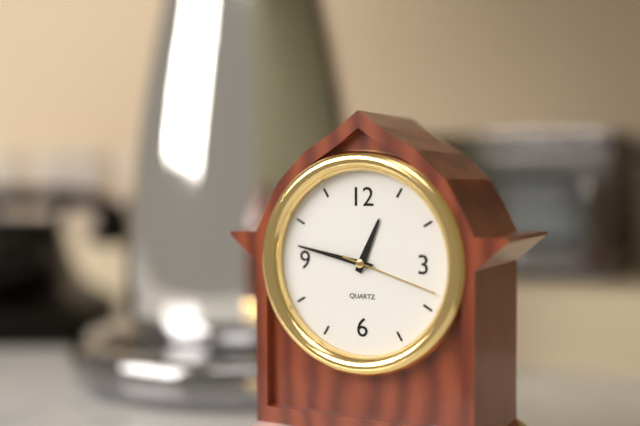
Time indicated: 12h47m18s
